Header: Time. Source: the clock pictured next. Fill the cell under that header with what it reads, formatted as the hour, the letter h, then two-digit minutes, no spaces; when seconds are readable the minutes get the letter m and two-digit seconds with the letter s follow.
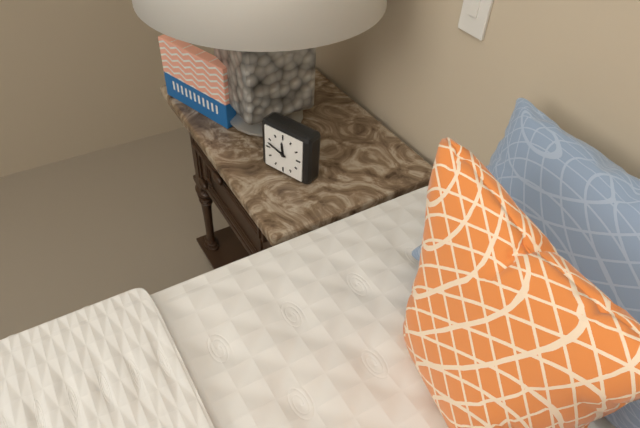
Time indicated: 11h48
